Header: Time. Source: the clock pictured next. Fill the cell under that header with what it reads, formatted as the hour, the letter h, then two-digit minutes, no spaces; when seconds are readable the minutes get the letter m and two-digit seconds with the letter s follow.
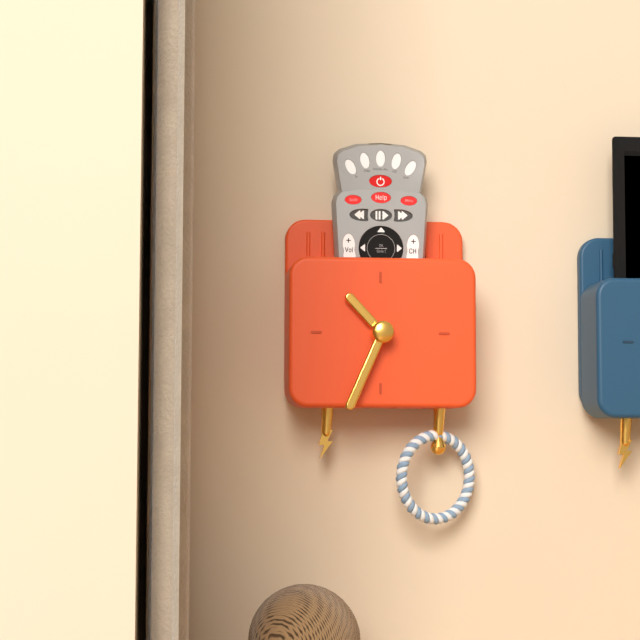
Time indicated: 10h34
